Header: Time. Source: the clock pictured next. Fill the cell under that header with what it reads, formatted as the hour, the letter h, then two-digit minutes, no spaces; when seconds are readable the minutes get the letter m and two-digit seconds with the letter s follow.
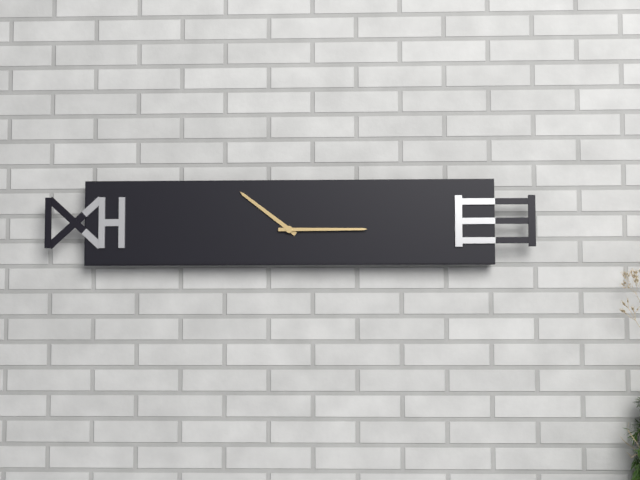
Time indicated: 10h15
